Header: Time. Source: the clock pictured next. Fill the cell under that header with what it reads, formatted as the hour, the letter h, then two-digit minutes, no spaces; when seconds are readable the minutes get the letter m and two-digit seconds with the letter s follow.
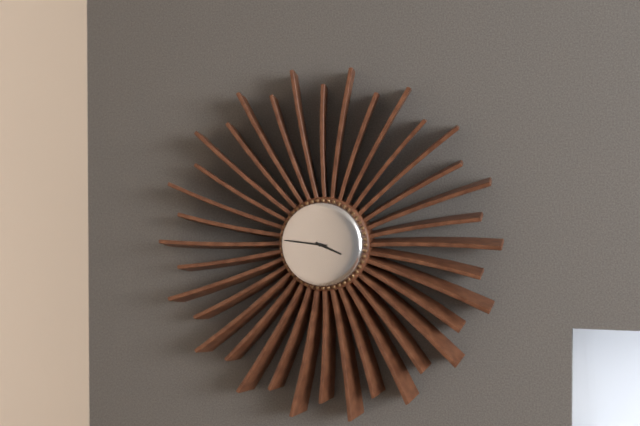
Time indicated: 3h46
